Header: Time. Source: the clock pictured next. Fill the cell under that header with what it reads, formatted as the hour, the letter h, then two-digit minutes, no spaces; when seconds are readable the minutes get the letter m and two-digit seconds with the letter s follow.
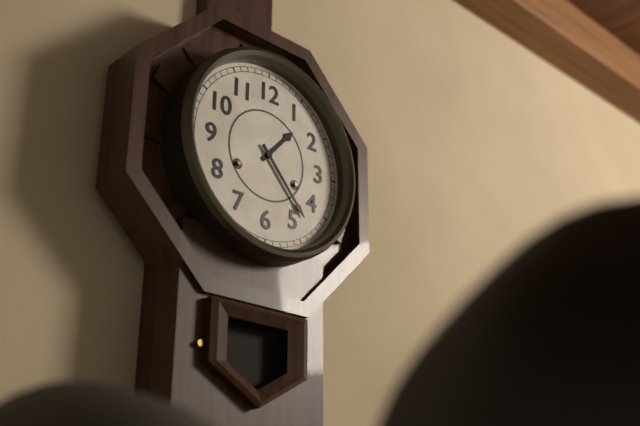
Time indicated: 1h23
